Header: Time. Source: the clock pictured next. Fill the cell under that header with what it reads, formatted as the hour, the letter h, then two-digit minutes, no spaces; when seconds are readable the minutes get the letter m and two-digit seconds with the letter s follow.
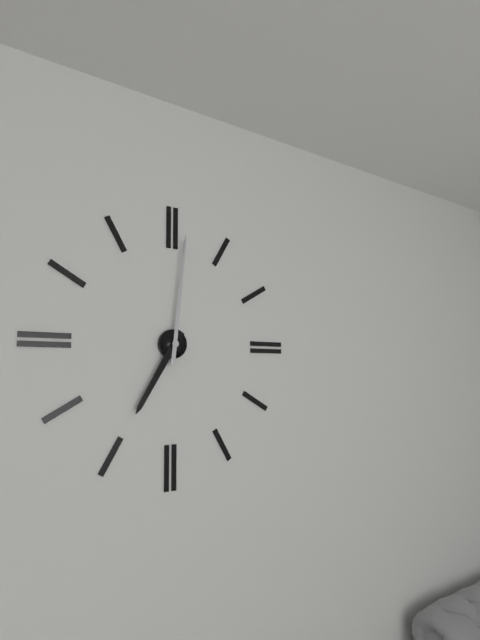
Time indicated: 7h01
